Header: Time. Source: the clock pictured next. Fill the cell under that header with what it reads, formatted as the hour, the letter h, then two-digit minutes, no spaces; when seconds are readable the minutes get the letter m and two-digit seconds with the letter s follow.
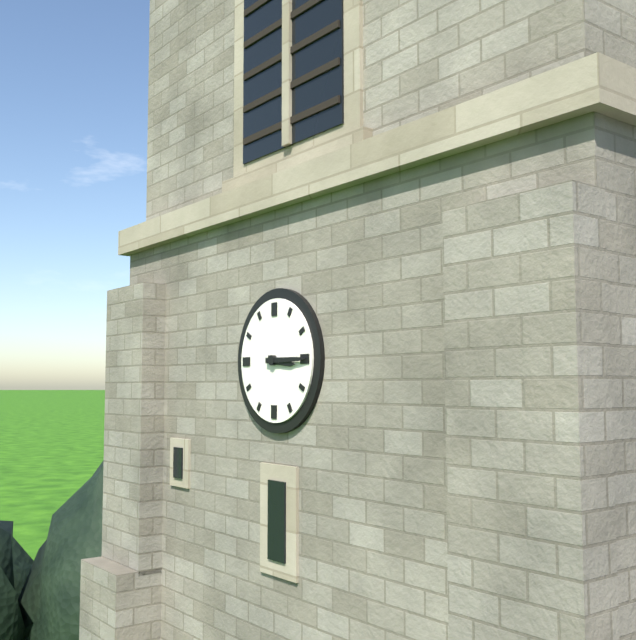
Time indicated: 3h15
